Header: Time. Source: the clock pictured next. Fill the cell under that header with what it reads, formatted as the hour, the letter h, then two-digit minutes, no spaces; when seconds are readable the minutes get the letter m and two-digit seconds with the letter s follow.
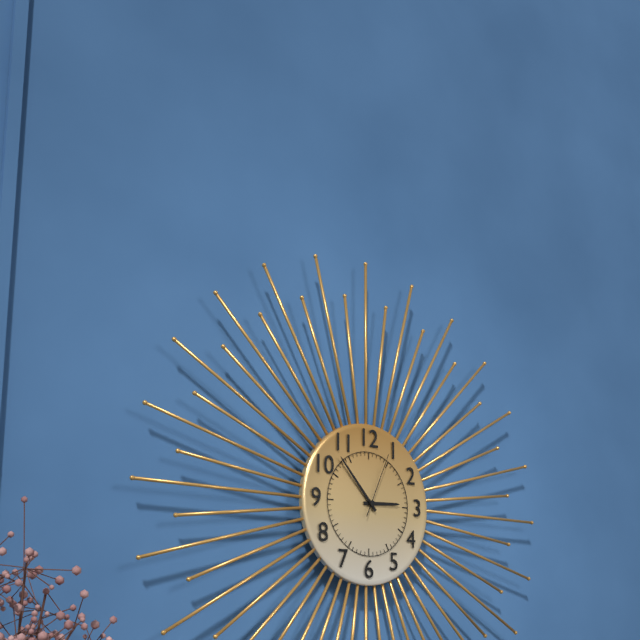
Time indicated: 2h53m04s
